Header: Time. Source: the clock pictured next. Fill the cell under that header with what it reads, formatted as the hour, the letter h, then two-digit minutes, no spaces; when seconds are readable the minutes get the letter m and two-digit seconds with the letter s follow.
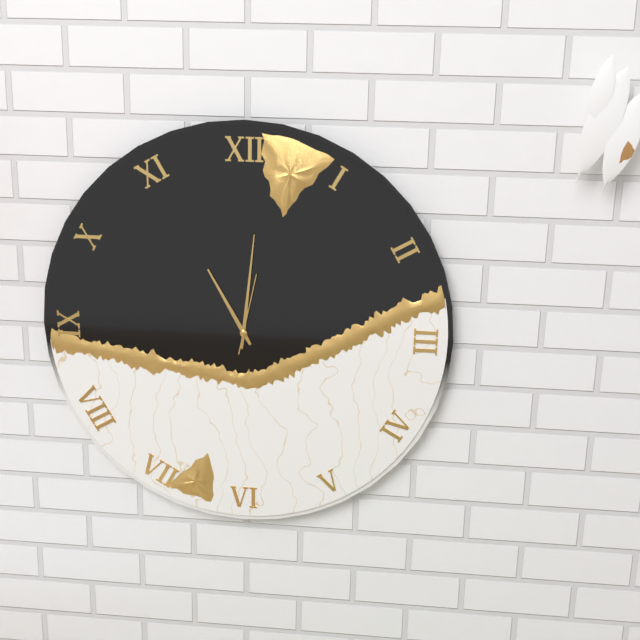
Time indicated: 11h01m02s
